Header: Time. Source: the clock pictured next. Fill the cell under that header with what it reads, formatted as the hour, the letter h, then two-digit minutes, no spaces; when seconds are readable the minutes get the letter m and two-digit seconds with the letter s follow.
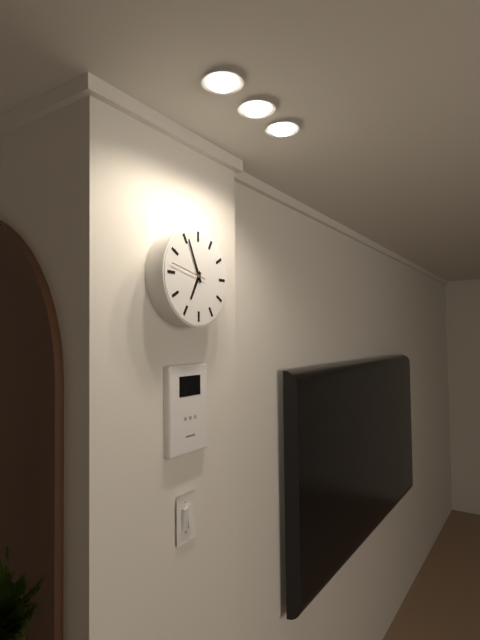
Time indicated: 6h56
